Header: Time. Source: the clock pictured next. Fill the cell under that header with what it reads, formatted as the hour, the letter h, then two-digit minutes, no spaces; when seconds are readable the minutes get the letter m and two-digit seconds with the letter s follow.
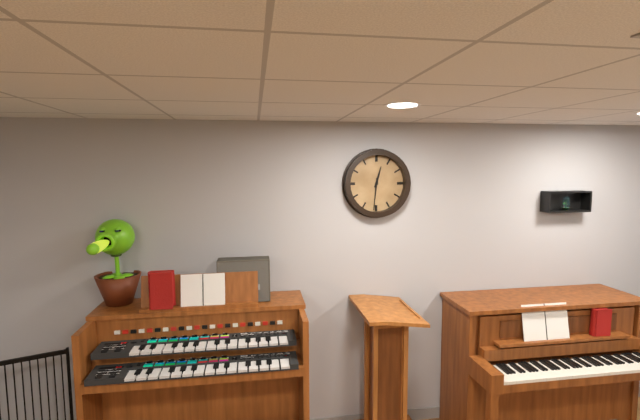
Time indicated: 12h31
